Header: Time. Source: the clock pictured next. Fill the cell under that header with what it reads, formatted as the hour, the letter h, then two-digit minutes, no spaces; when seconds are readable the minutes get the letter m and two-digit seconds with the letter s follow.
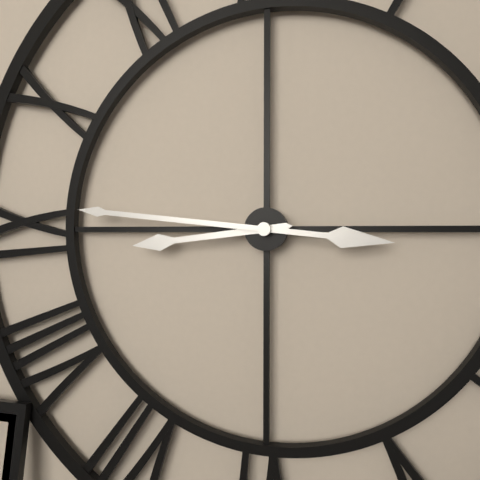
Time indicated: 8h46
